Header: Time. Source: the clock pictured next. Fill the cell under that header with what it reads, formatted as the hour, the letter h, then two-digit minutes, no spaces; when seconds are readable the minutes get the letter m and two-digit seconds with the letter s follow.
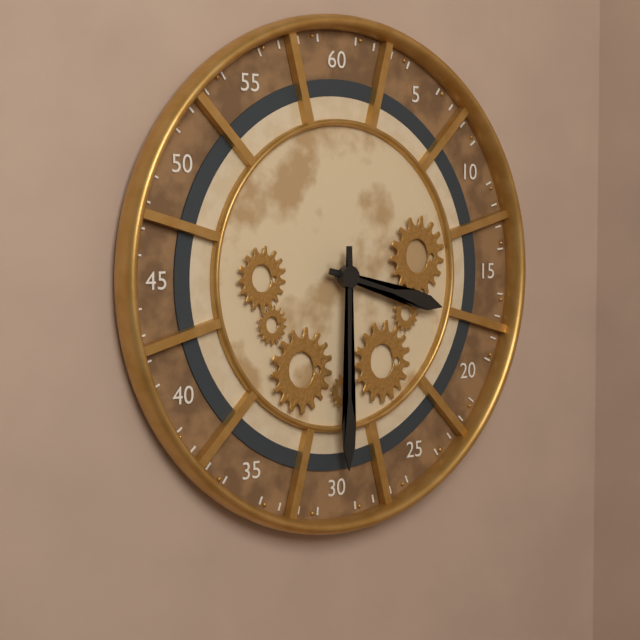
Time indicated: 3h30
